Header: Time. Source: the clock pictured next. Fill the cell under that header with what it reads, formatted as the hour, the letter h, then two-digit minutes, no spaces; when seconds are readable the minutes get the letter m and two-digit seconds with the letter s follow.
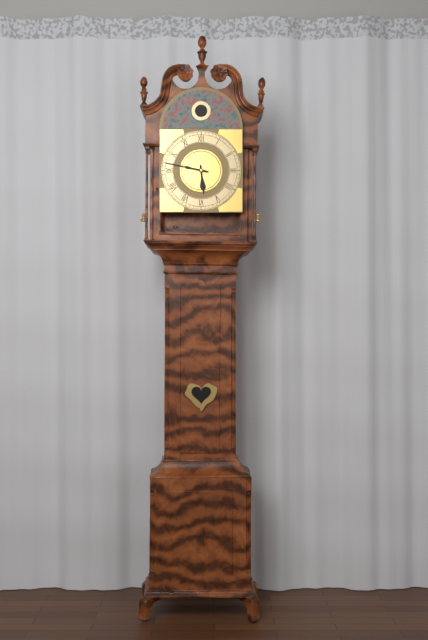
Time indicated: 5h47
